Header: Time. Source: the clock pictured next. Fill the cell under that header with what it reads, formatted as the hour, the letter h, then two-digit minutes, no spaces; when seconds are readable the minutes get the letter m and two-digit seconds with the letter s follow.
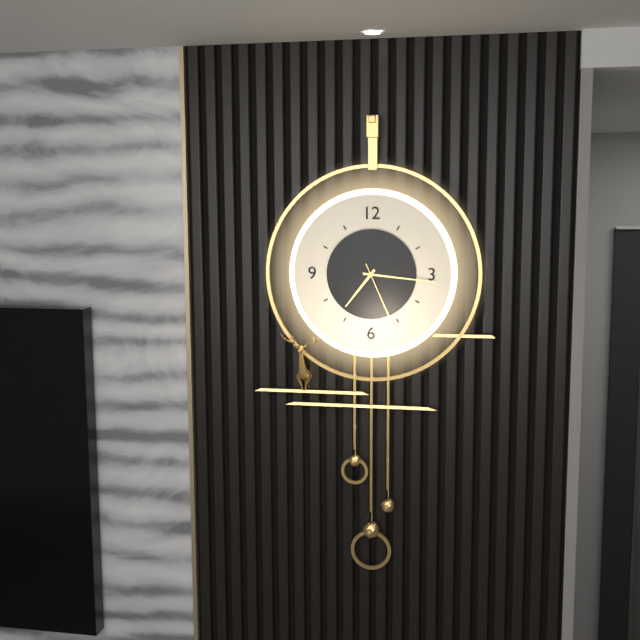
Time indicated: 7h16m26s
